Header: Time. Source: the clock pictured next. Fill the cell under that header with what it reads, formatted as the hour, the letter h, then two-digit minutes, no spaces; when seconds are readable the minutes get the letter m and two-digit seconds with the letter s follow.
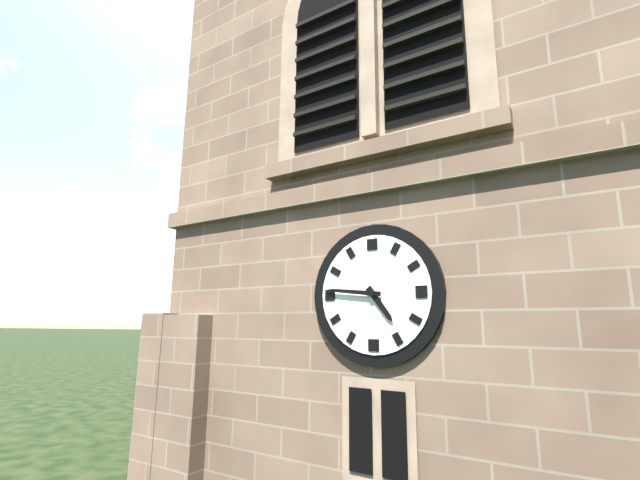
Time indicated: 4h46
